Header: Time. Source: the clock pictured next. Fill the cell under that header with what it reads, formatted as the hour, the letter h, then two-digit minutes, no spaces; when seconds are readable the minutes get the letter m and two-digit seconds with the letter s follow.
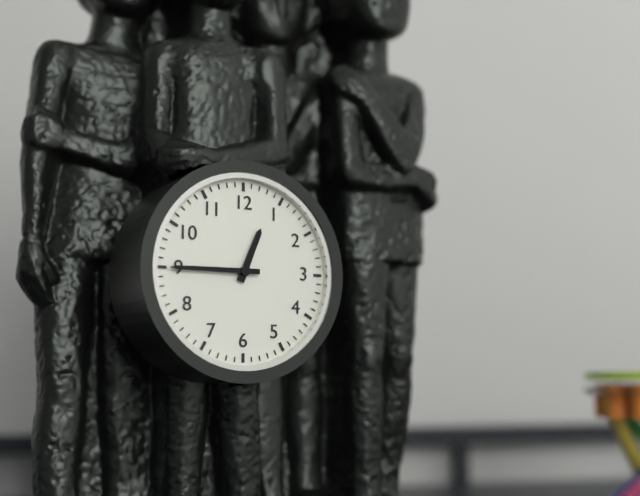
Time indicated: 12h45
